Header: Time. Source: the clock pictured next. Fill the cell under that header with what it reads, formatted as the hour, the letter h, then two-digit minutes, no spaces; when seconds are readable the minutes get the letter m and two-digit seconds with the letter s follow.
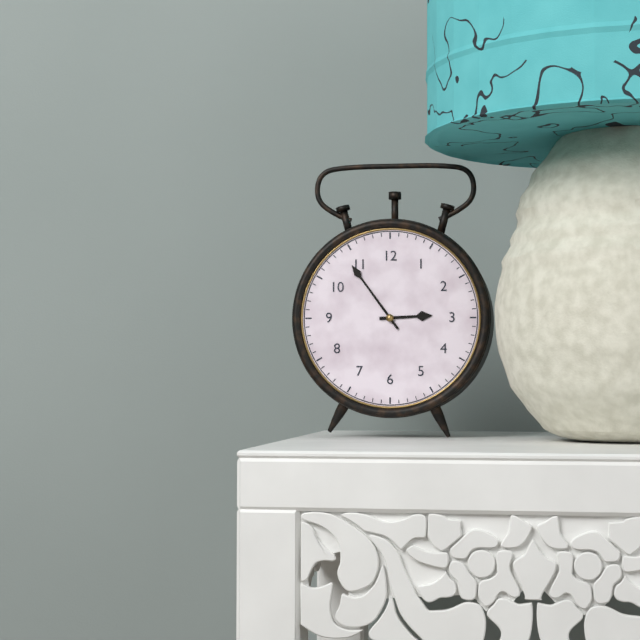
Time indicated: 2h54
